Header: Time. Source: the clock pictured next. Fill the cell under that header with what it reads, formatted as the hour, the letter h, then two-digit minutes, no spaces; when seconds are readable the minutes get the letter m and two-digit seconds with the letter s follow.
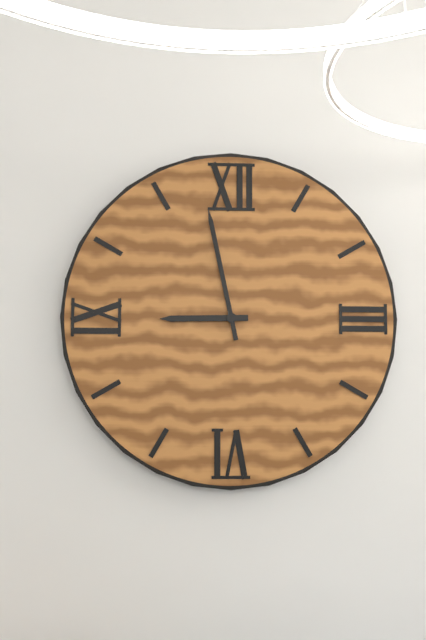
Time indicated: 8h58
